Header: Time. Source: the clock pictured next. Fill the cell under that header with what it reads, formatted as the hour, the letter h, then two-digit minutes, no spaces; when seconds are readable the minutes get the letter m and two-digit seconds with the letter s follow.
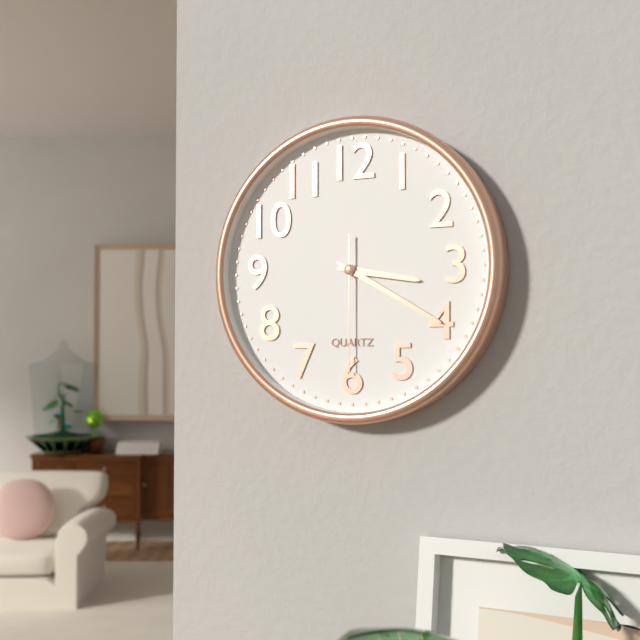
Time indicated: 3h20m30s
